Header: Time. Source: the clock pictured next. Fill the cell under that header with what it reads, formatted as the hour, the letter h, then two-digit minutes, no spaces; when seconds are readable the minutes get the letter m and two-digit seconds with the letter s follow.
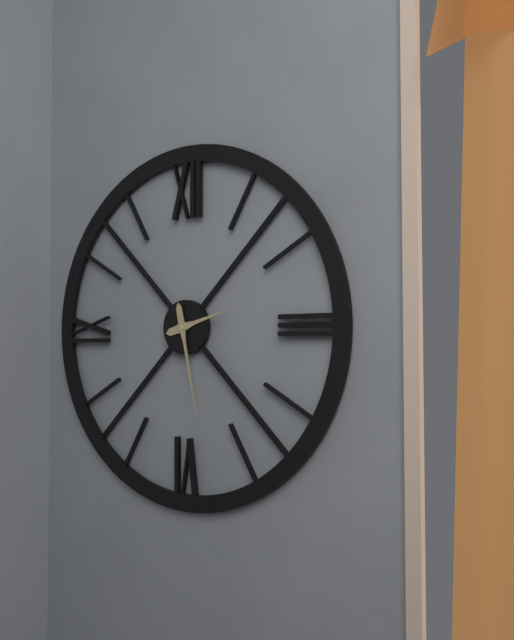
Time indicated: 2h28
